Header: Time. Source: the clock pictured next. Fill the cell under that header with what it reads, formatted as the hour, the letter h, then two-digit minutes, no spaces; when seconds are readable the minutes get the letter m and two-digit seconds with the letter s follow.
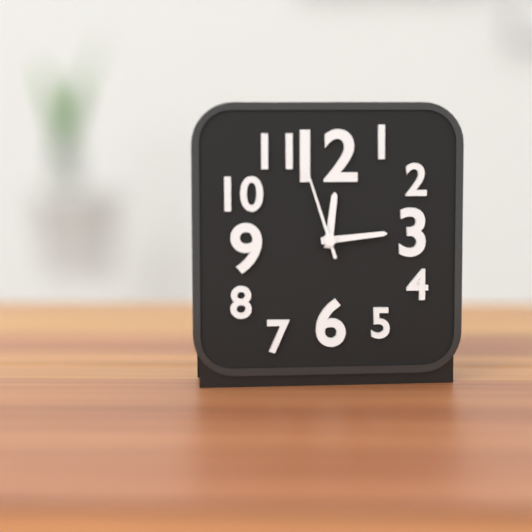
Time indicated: 12h14m57s
